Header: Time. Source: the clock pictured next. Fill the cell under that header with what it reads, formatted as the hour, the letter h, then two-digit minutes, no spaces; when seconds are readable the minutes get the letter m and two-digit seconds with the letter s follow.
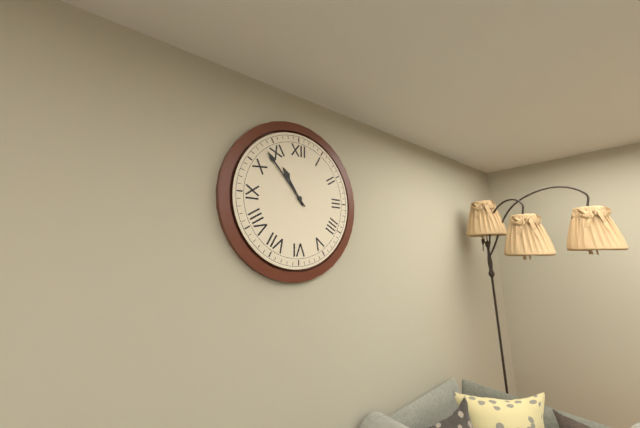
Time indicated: 10h53
